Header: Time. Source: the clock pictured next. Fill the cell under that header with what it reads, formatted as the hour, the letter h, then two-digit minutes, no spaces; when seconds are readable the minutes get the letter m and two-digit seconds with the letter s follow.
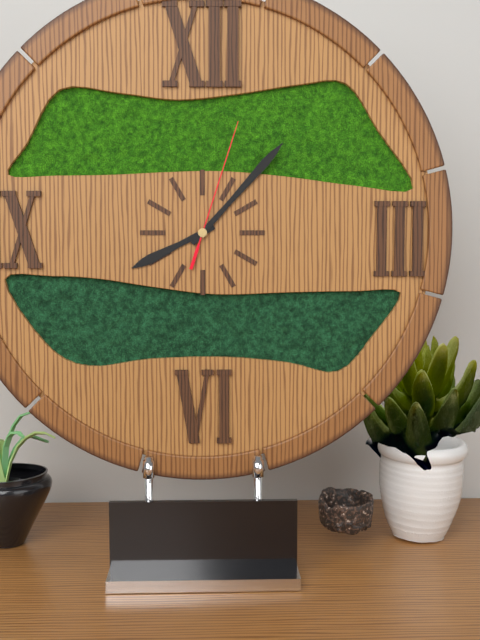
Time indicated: 8h07m03s
